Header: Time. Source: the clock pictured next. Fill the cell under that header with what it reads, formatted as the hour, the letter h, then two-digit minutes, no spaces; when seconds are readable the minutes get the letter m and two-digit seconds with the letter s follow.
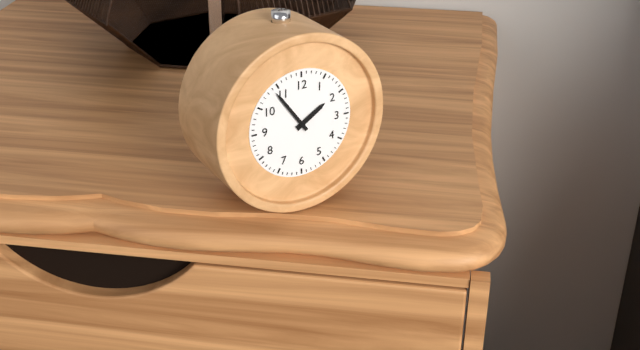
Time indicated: 1h54
